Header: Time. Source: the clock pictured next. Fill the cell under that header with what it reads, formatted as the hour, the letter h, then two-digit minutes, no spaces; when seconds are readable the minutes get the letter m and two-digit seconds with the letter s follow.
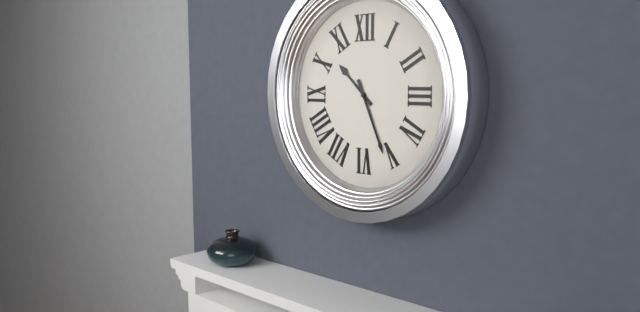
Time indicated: 10h26
